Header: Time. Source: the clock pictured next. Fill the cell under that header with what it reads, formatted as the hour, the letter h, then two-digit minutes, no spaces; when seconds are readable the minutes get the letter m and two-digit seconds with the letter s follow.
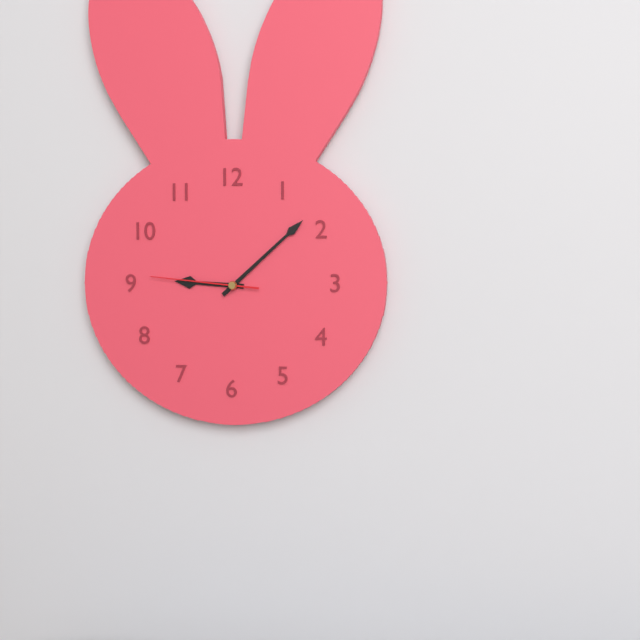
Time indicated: 9h08m46s
